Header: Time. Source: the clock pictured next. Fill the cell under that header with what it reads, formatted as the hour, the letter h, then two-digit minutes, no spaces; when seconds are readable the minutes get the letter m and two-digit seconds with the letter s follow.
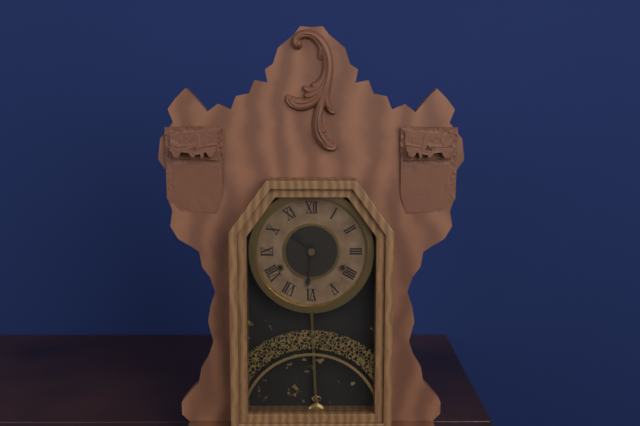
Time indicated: 10h31
